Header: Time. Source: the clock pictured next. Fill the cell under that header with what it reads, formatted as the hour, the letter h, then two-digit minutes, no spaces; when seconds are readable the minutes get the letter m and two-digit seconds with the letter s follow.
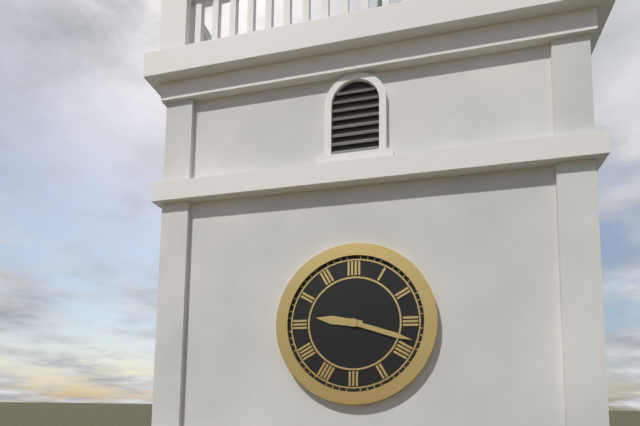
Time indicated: 9h18
